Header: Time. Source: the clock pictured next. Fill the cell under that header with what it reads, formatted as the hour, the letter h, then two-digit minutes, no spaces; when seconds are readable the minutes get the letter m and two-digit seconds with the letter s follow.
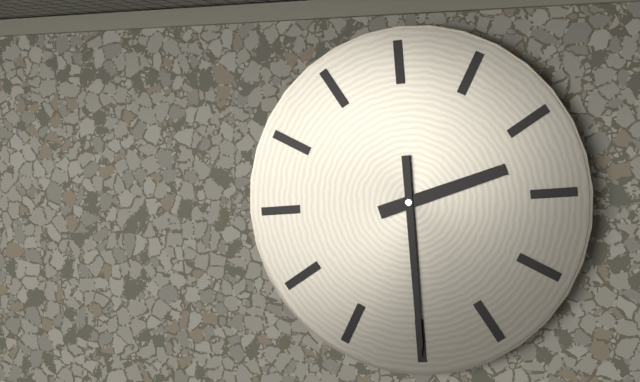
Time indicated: 2h30
